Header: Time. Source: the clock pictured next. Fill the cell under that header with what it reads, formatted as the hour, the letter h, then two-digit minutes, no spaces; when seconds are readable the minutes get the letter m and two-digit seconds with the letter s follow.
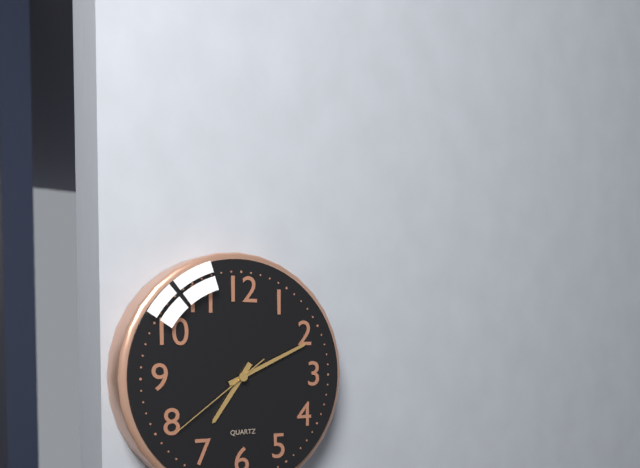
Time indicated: 7h11m39s
